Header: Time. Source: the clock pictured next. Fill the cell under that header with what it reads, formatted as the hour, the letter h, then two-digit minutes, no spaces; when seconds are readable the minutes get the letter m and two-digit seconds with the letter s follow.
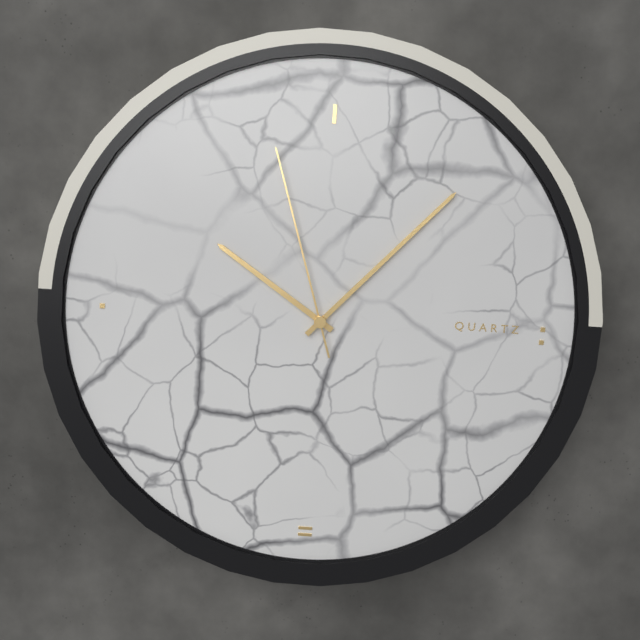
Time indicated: 10h07m57s
